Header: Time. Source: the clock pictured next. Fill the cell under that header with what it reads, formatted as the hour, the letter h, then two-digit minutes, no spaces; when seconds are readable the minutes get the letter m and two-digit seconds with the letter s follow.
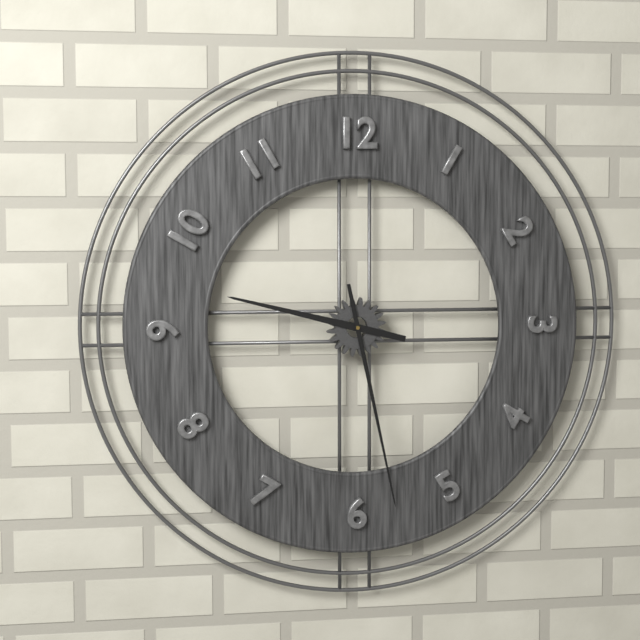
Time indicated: 9h28
